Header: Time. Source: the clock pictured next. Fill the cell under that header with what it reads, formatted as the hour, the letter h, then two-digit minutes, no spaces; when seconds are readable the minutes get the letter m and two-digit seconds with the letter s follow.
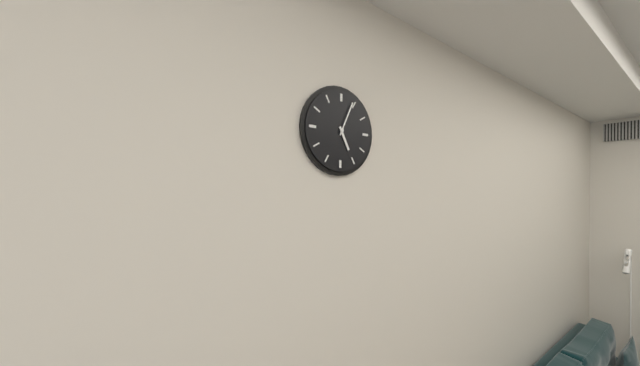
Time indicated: 5h04
